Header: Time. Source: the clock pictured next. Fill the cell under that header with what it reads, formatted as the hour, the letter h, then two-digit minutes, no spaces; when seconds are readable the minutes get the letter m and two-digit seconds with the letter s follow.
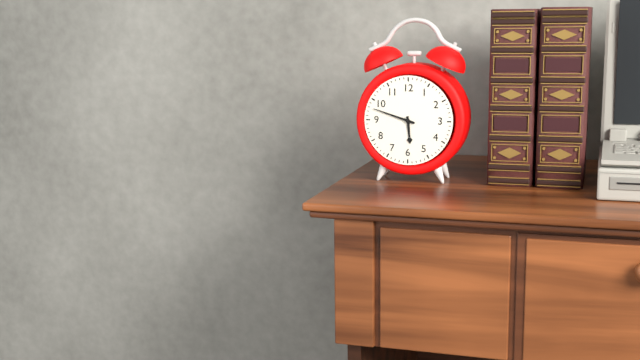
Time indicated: 5h48
